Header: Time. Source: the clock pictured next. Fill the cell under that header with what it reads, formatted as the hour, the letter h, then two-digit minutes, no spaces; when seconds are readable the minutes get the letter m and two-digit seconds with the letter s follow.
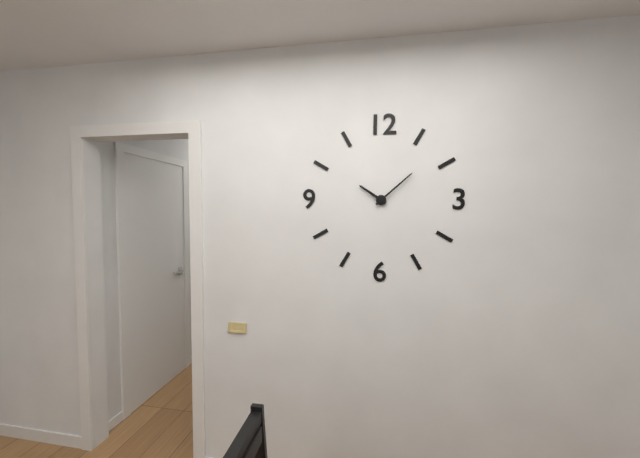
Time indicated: 10h08
